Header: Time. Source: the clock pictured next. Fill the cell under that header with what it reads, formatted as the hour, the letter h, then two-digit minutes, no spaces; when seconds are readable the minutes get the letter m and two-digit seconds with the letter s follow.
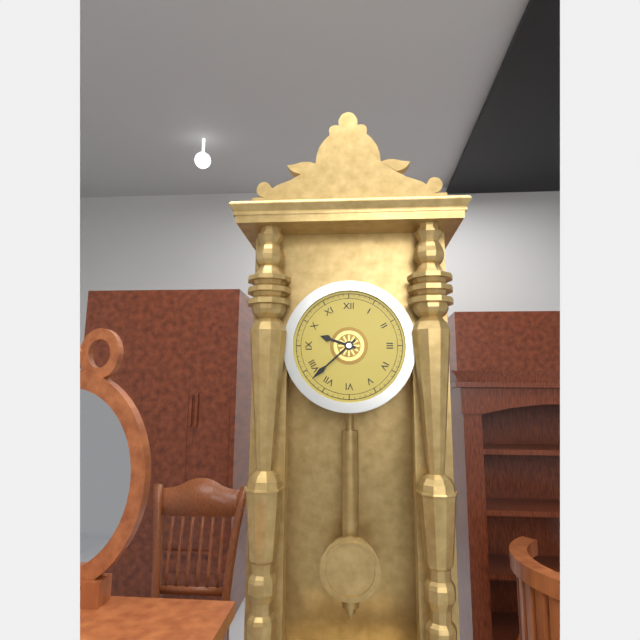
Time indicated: 9h38
